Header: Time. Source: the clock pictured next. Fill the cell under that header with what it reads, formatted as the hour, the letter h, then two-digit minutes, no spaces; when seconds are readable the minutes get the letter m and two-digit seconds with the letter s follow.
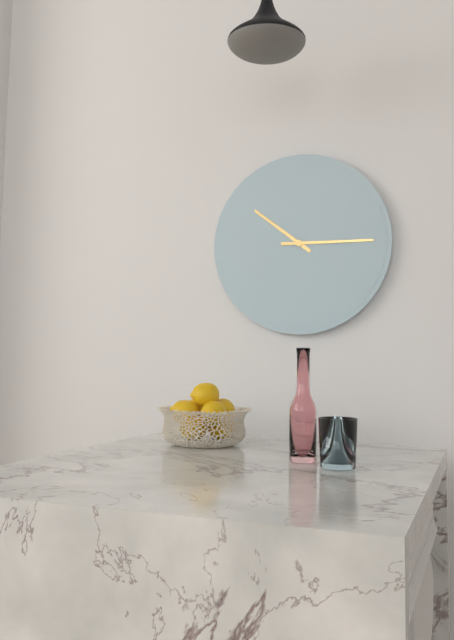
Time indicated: 10h15
